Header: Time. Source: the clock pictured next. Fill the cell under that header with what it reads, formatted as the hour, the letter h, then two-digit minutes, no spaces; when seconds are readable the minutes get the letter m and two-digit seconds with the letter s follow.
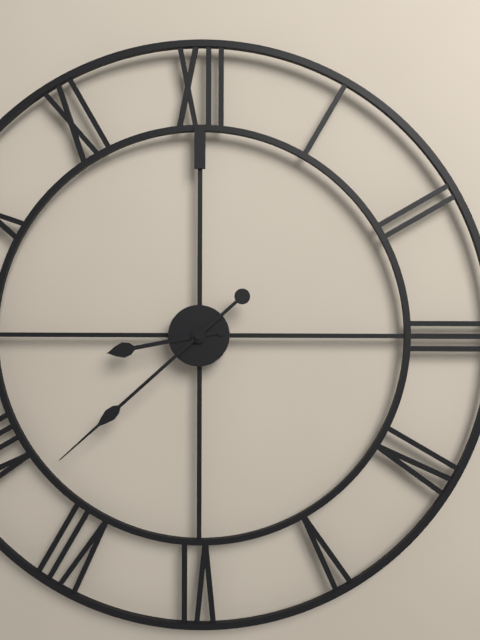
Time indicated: 8h38
